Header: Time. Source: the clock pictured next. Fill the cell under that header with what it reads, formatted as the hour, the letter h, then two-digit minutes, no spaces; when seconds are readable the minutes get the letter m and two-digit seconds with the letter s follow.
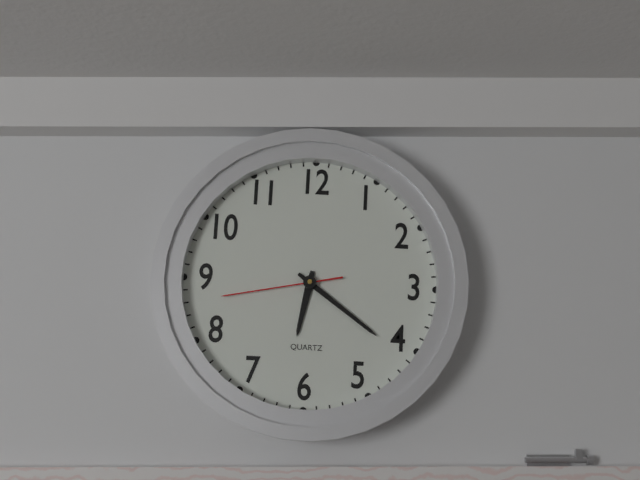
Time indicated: 6h21m43s
